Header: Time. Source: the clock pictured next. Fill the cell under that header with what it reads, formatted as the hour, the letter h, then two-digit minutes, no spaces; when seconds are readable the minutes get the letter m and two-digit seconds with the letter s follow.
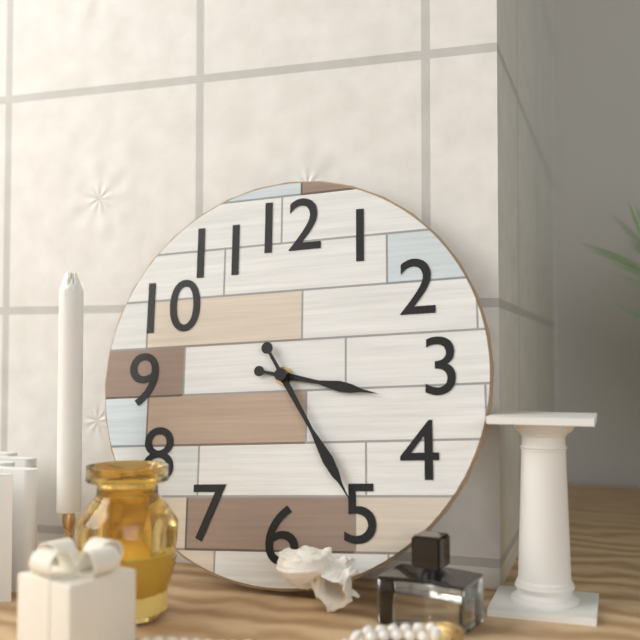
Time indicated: 3h25
